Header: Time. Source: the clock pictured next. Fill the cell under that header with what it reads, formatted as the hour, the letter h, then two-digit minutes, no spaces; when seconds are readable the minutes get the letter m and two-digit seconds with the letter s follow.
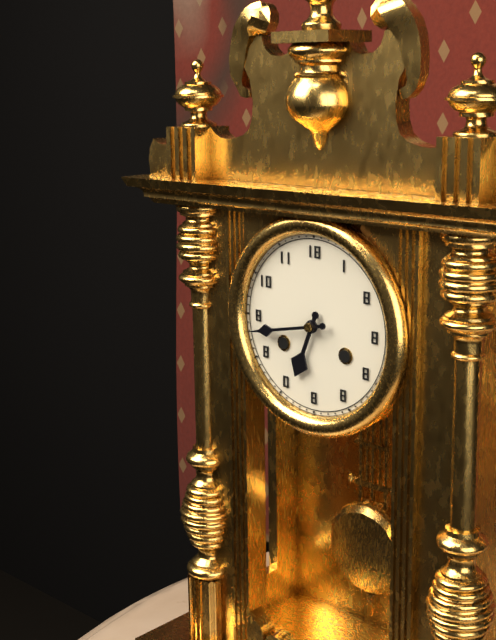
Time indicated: 6h43
